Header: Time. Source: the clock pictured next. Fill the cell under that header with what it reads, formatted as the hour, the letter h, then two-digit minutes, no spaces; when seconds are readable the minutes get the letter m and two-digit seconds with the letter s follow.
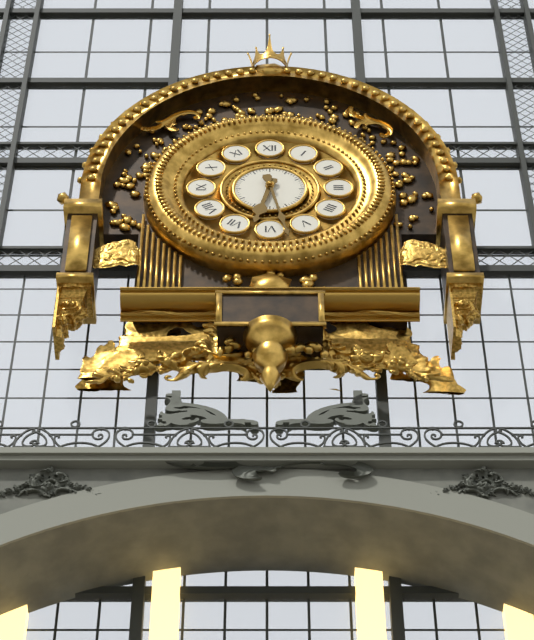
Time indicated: 6h28
